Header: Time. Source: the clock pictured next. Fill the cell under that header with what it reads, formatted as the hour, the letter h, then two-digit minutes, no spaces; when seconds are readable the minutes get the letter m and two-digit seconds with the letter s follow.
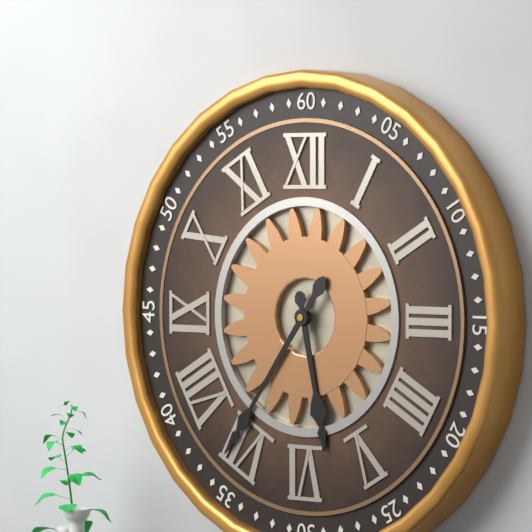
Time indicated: 5h36
